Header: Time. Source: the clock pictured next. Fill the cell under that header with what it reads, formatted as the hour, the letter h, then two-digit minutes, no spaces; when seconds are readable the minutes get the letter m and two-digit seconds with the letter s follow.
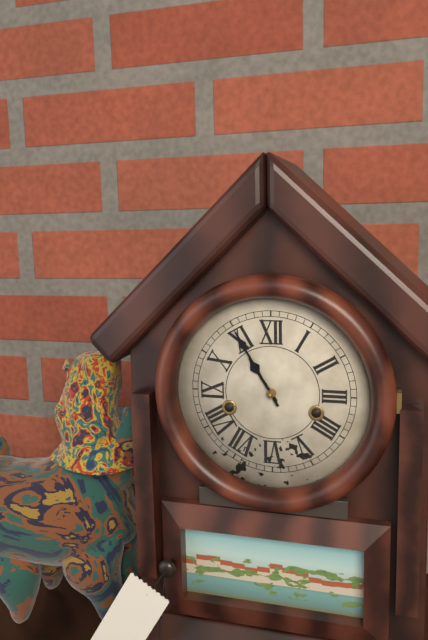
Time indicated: 10h55
